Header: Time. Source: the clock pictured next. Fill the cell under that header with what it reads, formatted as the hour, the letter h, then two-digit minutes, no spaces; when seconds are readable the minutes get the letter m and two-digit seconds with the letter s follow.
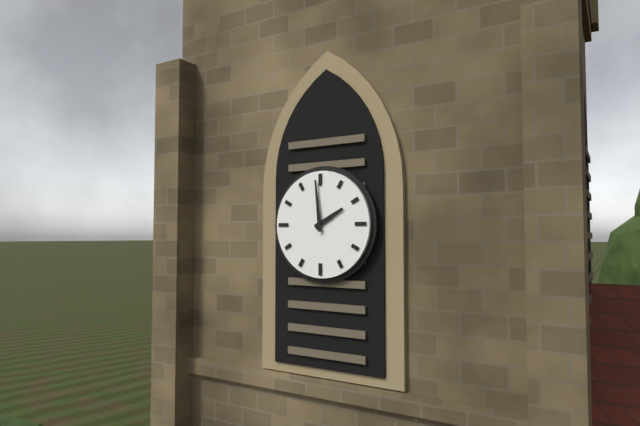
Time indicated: 1h59
